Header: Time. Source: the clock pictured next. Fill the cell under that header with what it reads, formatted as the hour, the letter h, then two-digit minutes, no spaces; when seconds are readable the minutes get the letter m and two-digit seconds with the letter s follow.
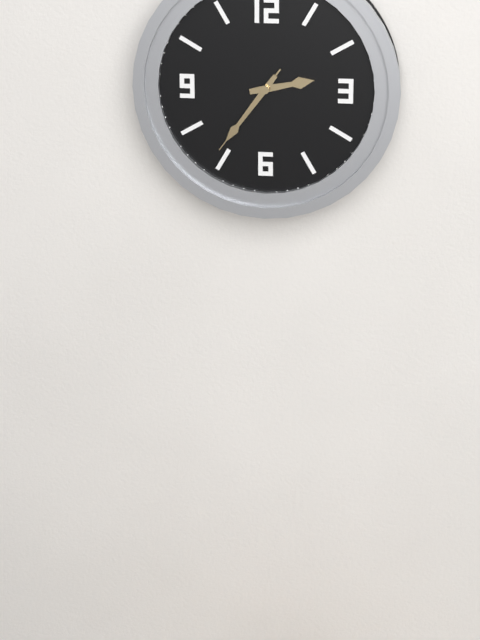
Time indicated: 2h36m36s
